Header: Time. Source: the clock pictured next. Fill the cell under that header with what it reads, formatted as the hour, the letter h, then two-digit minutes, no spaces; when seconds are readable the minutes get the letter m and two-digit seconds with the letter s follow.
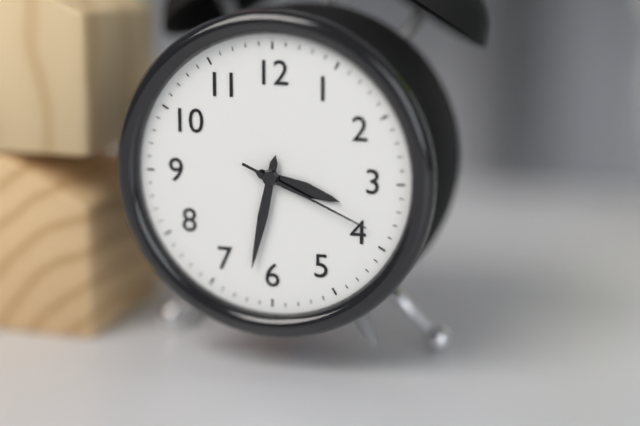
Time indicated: 3h32m19s
